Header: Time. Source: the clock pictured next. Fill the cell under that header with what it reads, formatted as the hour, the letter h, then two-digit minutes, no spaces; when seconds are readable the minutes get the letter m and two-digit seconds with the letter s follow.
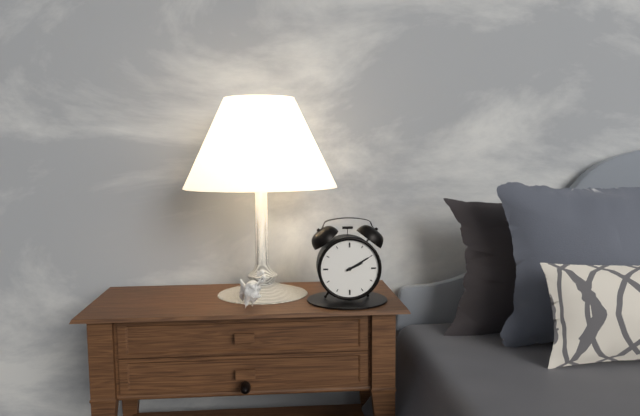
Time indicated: 2h10
